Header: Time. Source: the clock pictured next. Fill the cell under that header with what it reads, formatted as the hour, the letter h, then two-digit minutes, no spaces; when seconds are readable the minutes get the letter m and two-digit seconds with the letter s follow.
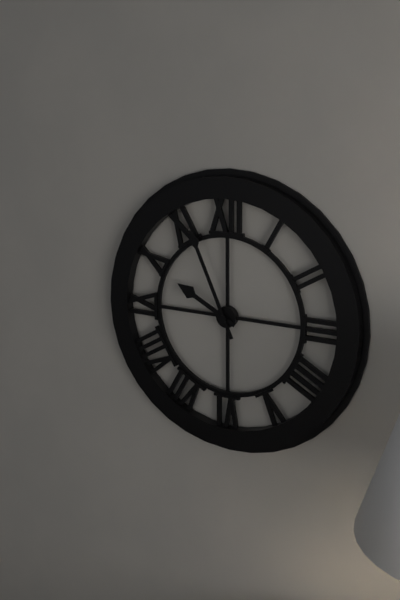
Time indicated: 9h56
